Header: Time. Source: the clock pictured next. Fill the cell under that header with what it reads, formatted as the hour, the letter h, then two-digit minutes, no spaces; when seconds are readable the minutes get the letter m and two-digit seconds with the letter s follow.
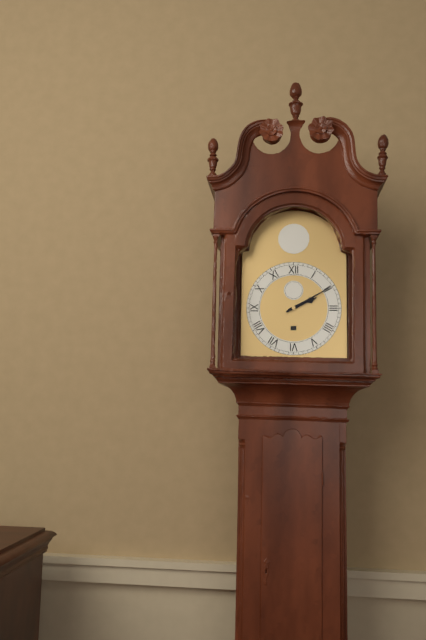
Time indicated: 2h10
